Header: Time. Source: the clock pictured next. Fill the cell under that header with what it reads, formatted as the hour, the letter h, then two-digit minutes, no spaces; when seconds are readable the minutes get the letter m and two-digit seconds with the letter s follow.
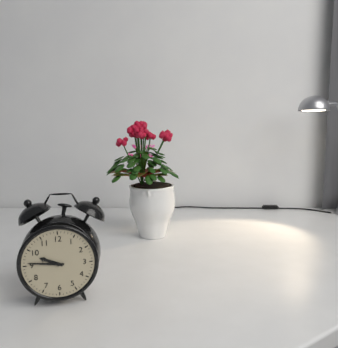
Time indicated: 9h46
